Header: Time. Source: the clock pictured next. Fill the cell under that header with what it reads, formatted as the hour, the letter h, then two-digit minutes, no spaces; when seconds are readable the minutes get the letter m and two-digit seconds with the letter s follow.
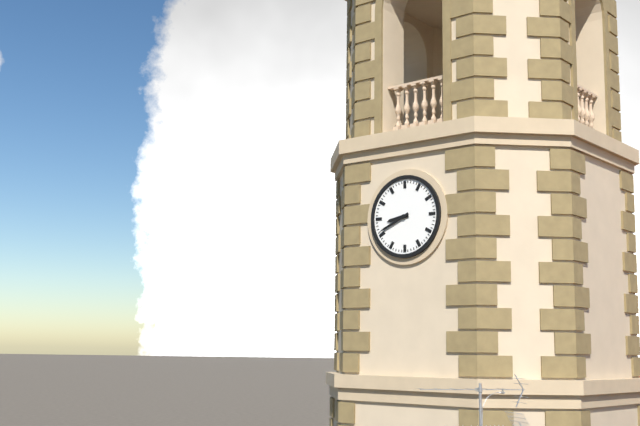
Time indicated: 8h41
